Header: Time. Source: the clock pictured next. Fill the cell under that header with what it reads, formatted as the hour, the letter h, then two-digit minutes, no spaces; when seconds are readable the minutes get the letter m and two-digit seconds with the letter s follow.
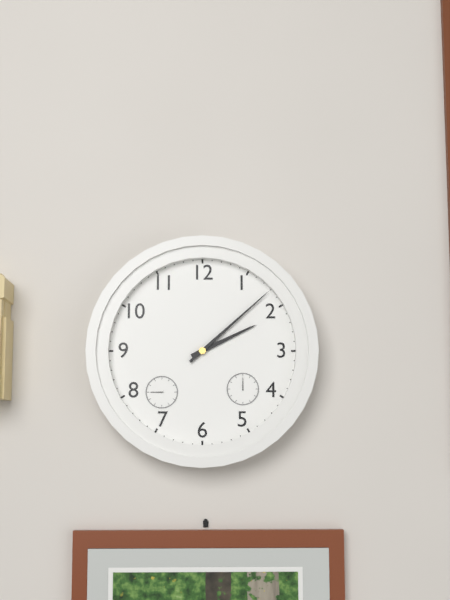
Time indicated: 2h08
